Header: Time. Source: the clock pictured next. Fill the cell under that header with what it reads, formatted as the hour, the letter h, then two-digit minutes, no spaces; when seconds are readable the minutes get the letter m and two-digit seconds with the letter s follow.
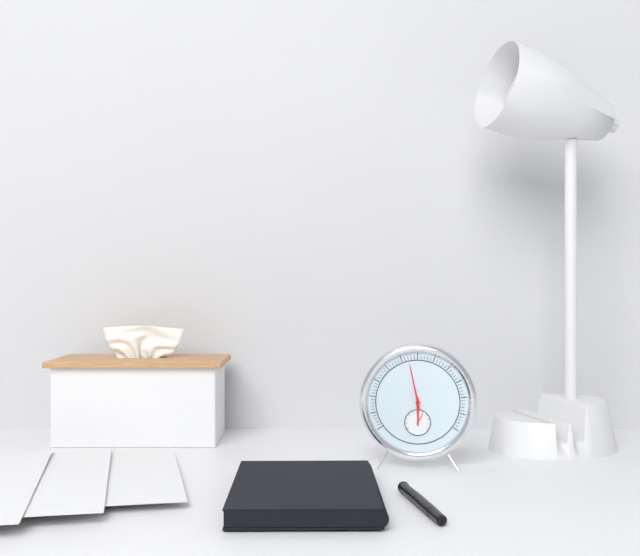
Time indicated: 5h58
